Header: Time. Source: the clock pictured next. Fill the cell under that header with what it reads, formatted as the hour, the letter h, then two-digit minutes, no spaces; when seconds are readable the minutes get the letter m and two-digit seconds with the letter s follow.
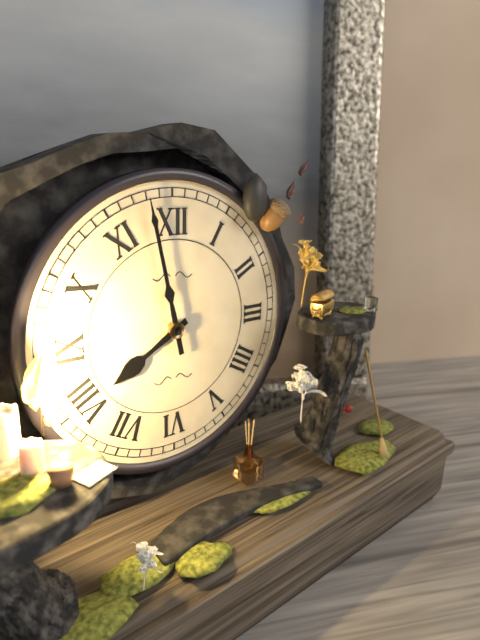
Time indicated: 7h58
